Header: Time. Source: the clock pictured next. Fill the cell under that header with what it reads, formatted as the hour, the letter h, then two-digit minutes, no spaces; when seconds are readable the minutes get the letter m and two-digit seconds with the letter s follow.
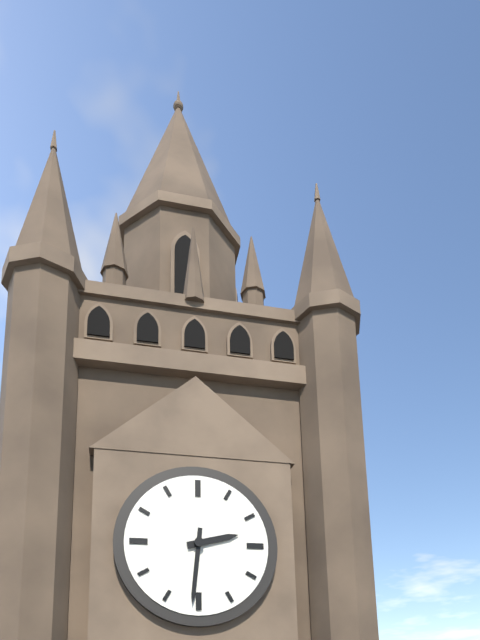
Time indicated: 2h31
